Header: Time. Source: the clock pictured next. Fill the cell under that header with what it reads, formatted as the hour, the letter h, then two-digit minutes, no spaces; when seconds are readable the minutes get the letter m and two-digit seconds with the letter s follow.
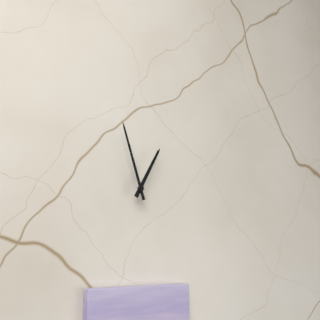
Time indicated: 12h57
